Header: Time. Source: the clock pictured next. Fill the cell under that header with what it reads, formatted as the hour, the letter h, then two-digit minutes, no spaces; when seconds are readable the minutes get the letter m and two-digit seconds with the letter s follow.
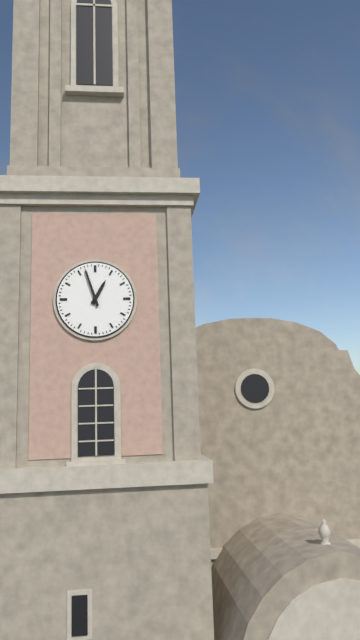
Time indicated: 12h57
